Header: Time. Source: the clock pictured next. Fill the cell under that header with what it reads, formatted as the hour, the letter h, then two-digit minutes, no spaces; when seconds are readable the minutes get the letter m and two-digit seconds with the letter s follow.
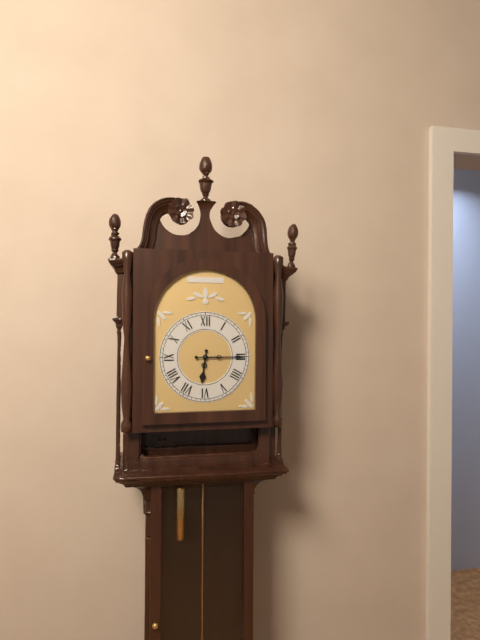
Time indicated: 6h15
